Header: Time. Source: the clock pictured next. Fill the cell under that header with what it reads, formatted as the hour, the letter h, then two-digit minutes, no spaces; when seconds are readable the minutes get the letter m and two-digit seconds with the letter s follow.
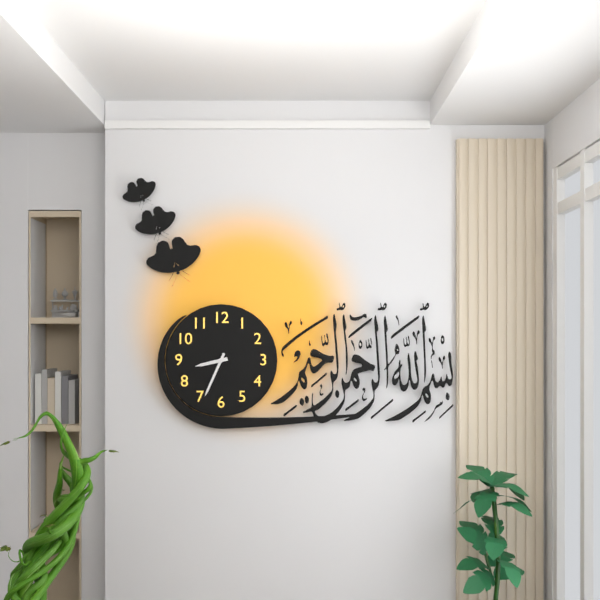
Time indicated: 8h34
